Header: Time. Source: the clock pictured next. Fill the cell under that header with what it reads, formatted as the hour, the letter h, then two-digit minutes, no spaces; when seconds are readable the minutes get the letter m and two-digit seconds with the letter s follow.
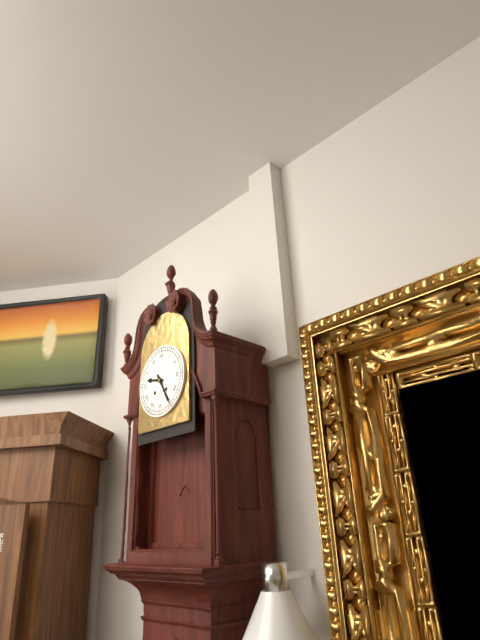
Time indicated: 9h25
